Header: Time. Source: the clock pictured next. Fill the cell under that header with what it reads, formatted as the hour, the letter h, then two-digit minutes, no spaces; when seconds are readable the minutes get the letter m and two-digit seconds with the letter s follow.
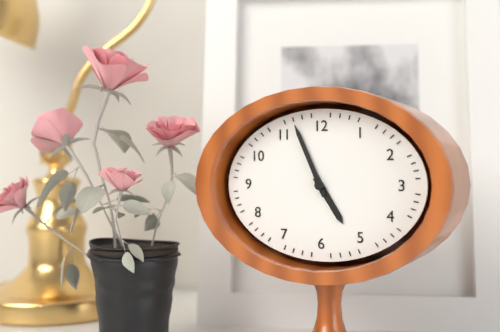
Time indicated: 4h56
